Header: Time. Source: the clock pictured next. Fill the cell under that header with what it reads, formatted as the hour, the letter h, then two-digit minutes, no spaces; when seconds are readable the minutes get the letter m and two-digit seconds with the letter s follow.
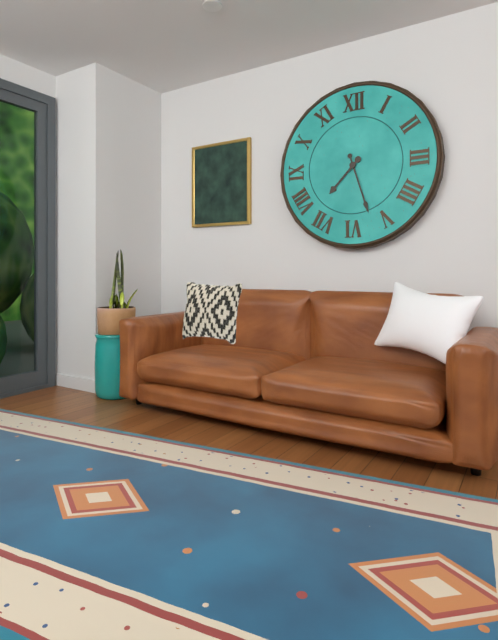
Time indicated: 7h27
